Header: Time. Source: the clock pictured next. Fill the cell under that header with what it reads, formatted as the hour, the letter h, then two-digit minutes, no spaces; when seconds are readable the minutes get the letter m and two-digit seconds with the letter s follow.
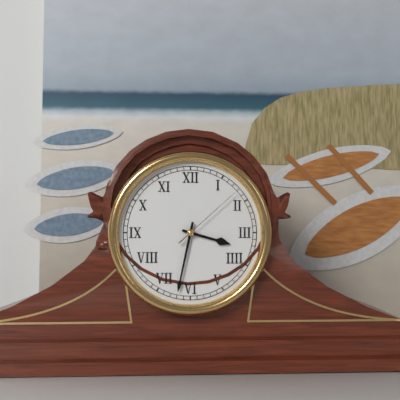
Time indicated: 3h32m08s
